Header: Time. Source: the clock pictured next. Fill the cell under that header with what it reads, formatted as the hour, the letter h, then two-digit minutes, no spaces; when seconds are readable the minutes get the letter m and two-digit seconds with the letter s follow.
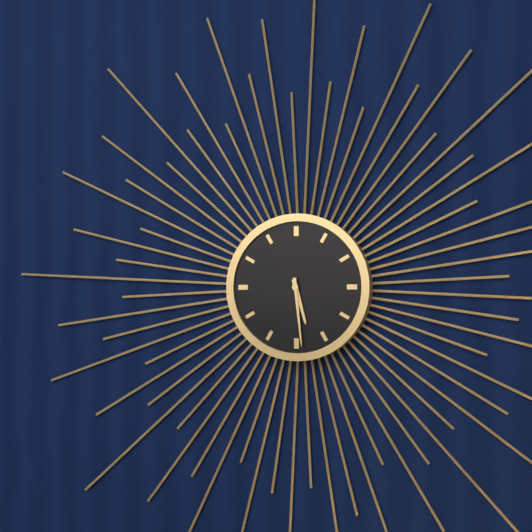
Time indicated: 5h29
